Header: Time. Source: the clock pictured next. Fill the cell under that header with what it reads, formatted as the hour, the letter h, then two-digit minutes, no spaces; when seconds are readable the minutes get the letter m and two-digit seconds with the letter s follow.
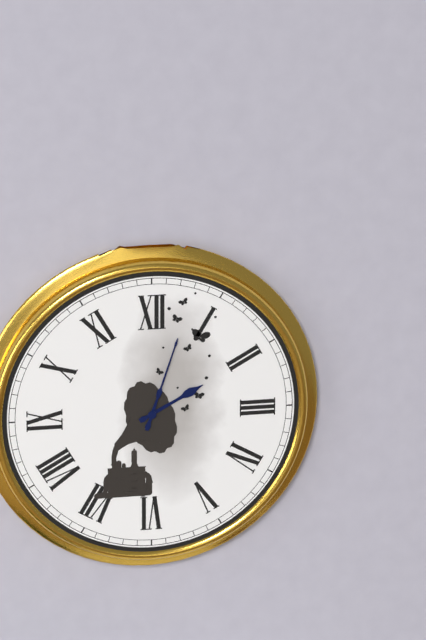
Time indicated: 2h03
